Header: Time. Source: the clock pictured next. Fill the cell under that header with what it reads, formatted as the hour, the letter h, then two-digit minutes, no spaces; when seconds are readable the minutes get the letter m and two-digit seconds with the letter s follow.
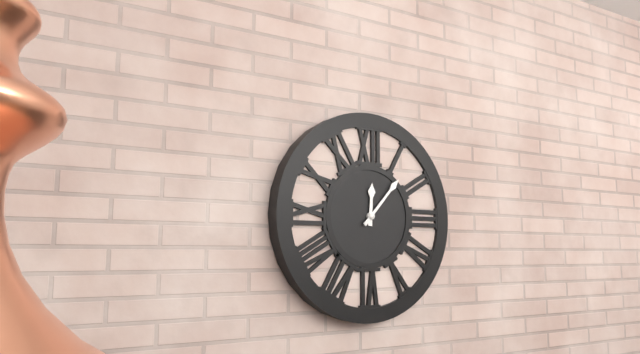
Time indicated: 12h07
